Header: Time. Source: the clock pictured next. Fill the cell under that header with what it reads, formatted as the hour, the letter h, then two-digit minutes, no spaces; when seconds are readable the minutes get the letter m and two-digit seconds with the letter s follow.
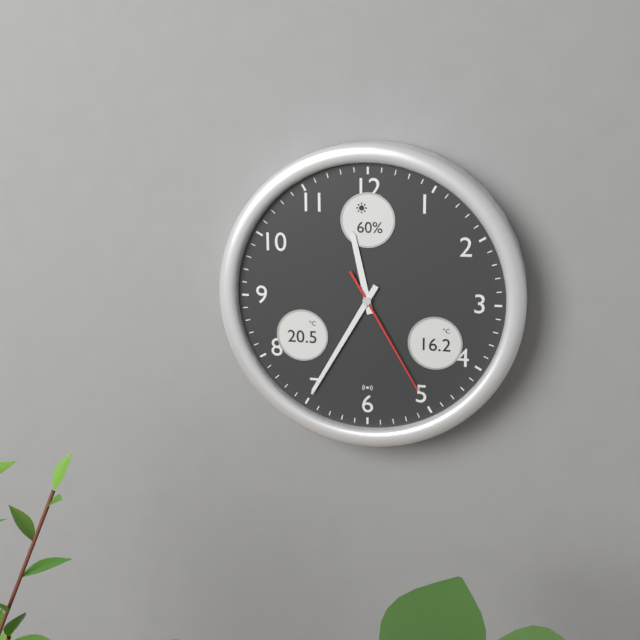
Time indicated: 11h35m25s
